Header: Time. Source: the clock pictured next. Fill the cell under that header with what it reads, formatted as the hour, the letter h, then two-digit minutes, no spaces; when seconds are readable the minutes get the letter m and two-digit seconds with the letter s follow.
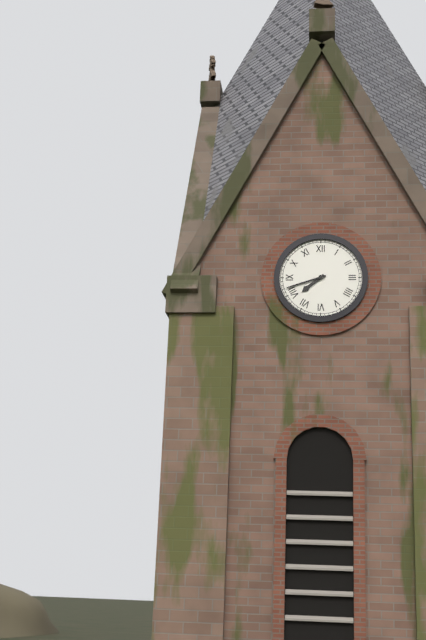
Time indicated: 7h42
